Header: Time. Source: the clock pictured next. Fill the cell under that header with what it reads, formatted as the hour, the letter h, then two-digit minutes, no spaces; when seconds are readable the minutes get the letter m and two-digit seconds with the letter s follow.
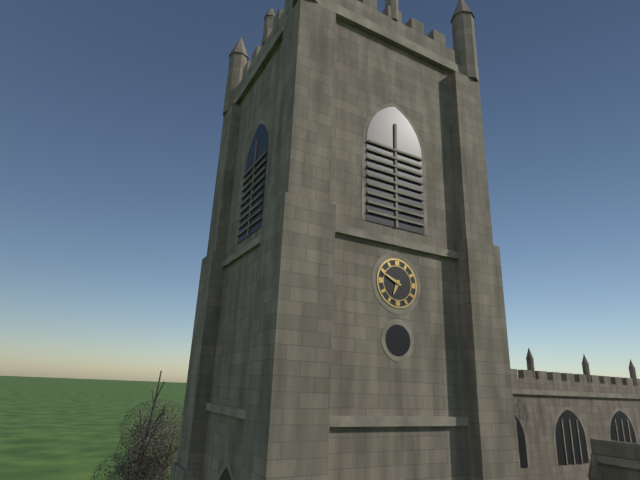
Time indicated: 6h49
